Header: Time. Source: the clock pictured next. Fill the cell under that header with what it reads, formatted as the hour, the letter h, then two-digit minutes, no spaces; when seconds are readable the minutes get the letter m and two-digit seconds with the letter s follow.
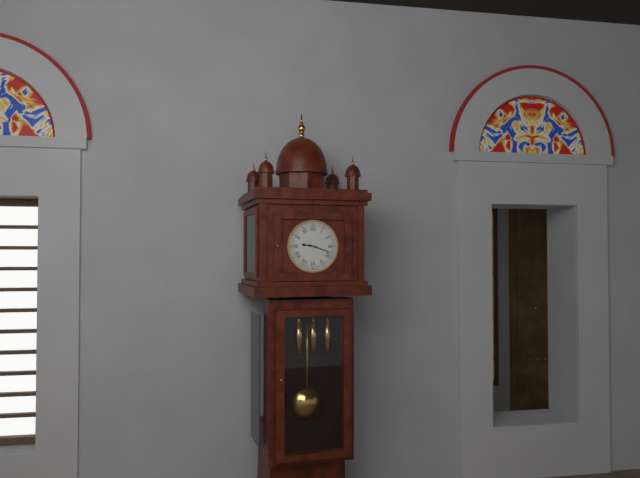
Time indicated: 9h18
